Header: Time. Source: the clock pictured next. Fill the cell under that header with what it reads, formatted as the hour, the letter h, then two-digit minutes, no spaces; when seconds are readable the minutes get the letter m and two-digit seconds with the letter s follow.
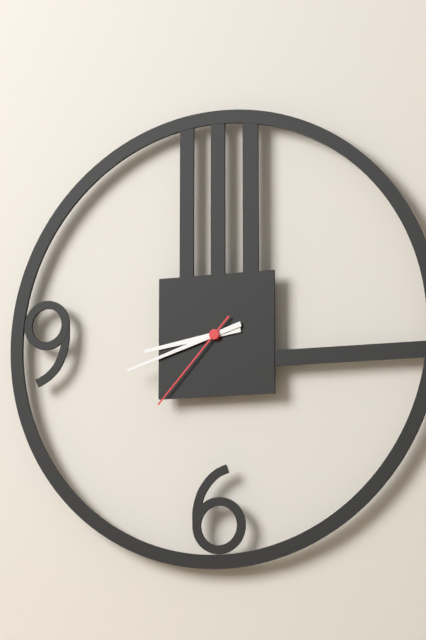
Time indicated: 8h42m37s
